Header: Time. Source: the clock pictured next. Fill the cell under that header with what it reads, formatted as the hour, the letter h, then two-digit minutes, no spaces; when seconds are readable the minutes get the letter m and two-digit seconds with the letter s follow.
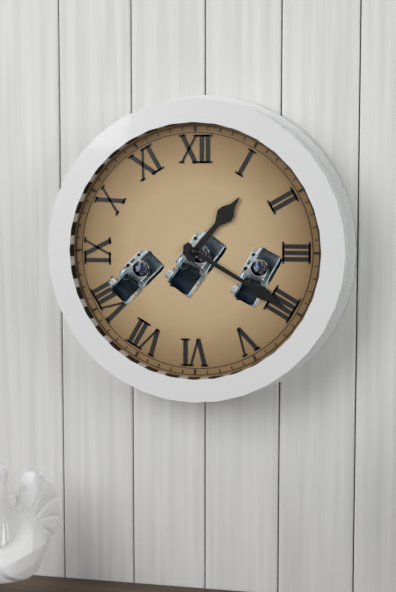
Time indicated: 1h20
